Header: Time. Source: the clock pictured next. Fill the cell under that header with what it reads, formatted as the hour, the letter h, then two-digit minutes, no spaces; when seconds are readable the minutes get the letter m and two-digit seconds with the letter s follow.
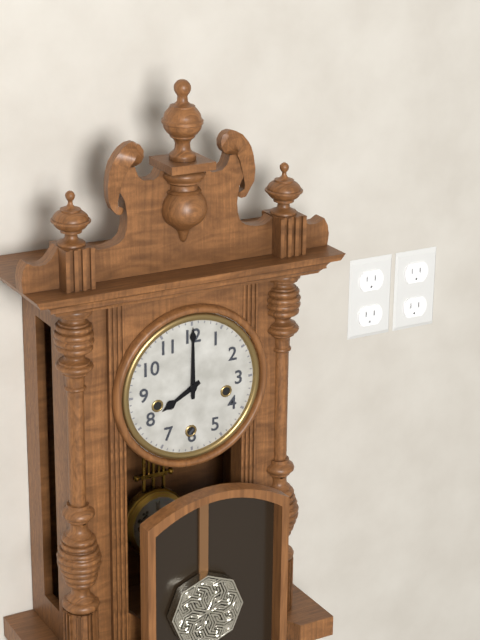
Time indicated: 8h00
